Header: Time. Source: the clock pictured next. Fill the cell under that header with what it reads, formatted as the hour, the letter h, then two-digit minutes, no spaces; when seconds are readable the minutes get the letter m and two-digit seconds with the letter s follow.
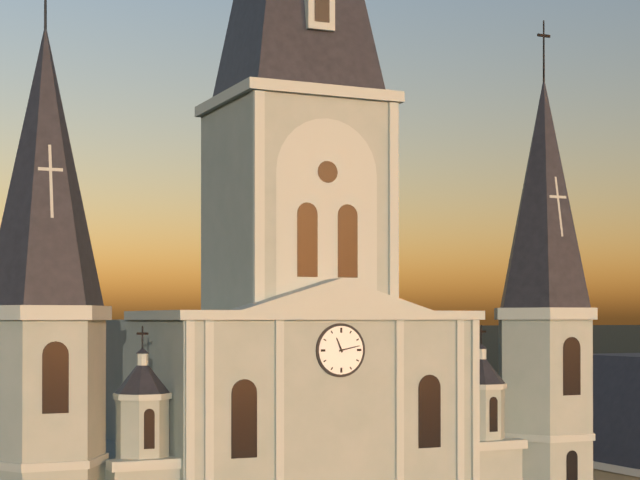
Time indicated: 11h13
